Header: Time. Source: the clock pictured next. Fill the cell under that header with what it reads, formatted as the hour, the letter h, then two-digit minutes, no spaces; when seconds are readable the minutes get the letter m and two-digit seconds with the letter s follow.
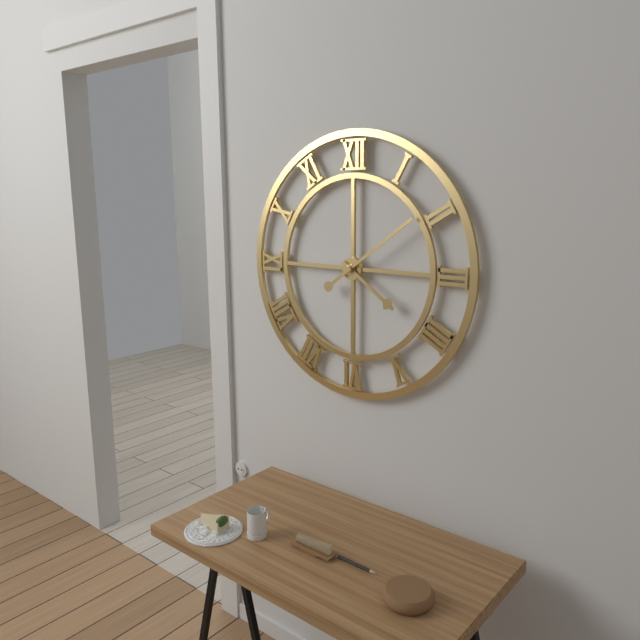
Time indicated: 4h09
